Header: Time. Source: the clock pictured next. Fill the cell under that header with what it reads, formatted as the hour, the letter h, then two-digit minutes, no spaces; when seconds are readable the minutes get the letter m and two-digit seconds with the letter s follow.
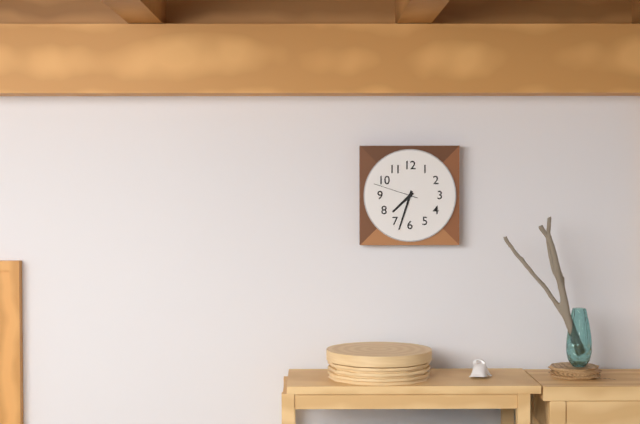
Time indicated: 7h33
